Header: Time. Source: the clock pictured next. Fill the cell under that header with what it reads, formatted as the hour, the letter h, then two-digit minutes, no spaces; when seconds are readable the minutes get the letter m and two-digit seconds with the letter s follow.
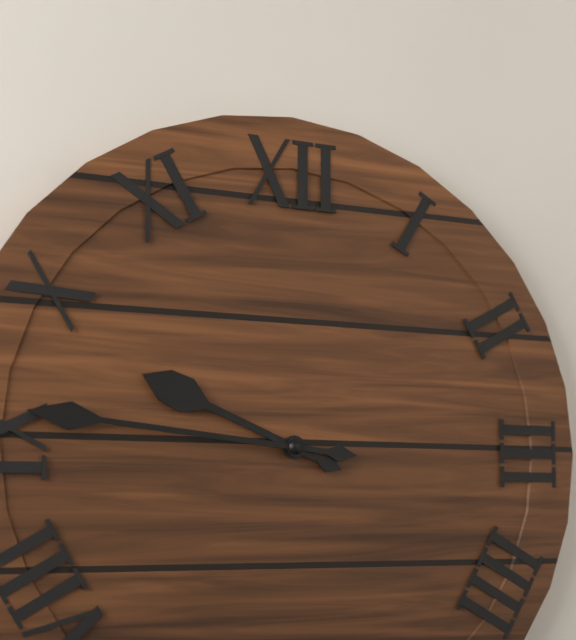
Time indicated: 9h46
